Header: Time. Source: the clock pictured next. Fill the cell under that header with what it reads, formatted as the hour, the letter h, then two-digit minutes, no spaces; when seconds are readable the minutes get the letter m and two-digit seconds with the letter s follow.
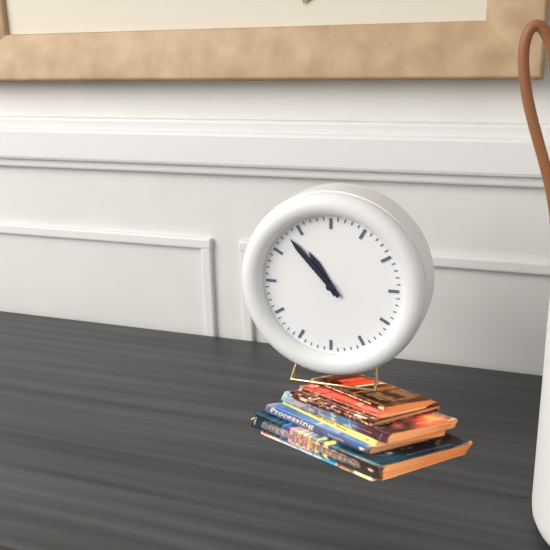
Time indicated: 10h53
